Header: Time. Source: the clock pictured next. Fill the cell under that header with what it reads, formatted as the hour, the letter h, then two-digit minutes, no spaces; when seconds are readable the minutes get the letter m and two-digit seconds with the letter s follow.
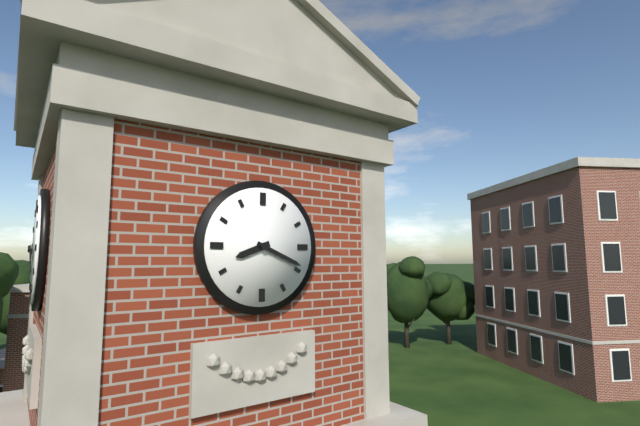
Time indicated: 8h19
